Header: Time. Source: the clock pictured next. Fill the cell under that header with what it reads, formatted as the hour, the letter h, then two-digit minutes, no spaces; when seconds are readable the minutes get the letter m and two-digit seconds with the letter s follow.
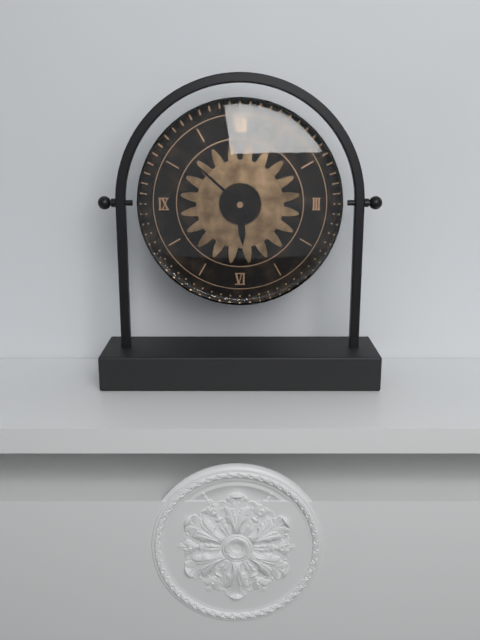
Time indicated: 5h52
